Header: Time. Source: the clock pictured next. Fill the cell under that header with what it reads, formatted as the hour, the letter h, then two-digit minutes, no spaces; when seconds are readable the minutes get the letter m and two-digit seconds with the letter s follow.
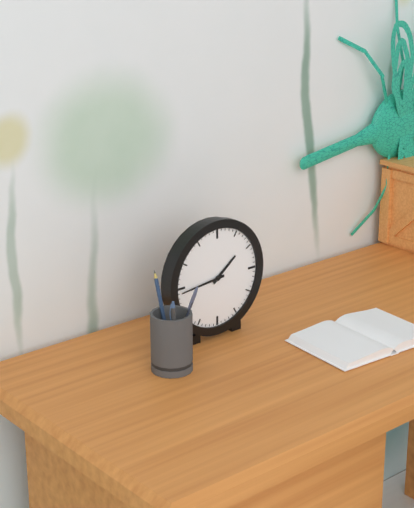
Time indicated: 1h44
